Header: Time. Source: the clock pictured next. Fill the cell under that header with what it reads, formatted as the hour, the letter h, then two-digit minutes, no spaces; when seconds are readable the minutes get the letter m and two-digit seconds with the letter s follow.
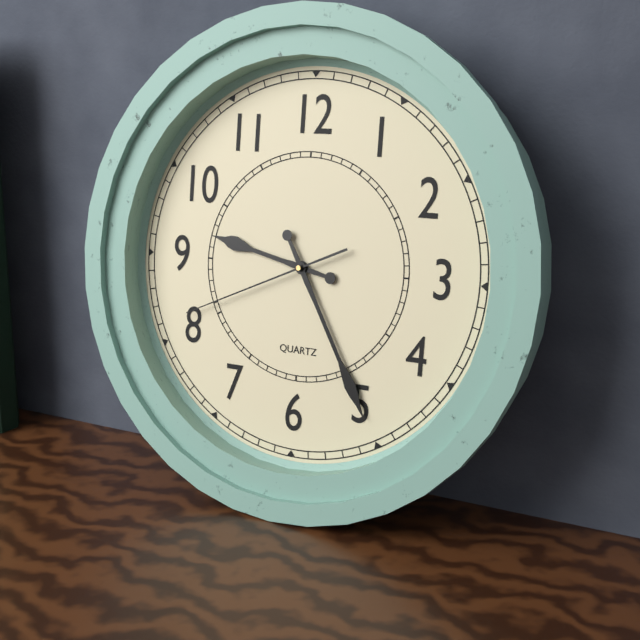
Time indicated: 9h25m41s
